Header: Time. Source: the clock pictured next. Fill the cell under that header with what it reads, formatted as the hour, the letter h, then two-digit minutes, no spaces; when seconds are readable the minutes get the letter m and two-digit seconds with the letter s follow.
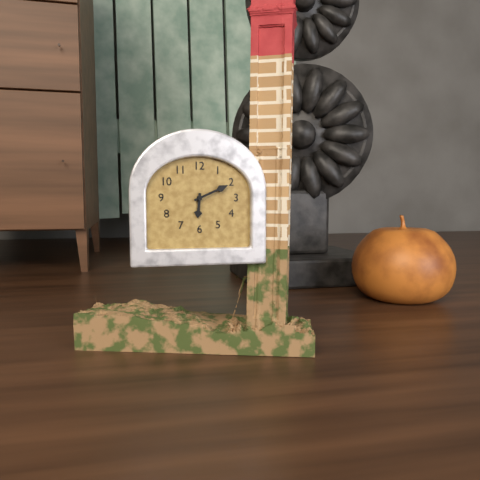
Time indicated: 6h11
